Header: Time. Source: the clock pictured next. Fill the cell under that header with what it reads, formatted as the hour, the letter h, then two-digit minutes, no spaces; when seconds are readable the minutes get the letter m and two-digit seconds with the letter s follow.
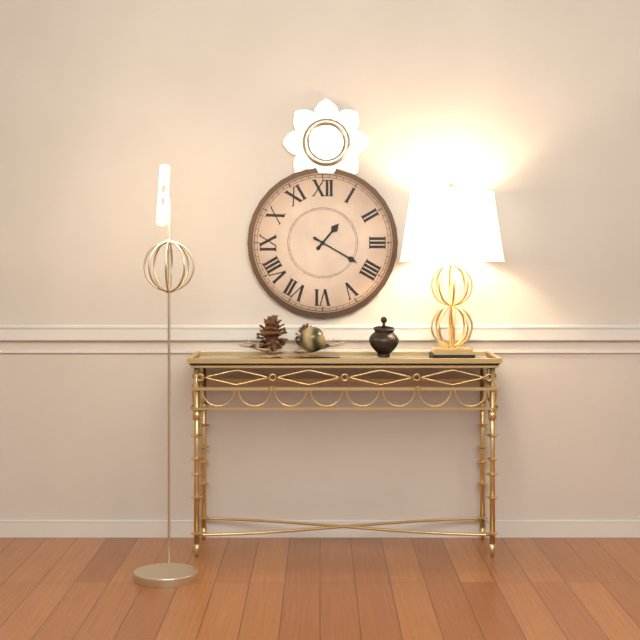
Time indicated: 1h20
